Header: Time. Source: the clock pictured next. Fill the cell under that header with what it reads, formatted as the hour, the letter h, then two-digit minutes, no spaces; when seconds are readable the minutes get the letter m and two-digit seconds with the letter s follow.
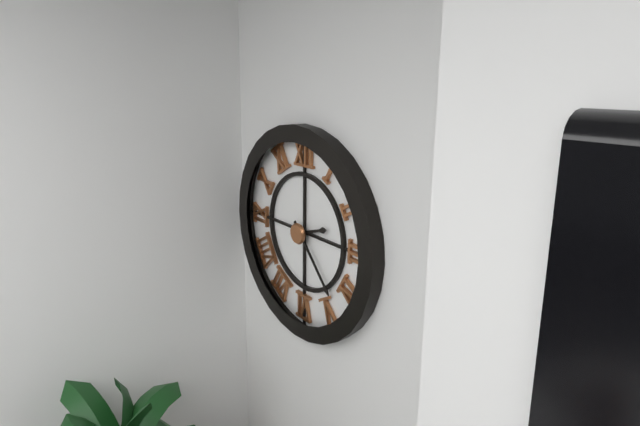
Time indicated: 2h23
